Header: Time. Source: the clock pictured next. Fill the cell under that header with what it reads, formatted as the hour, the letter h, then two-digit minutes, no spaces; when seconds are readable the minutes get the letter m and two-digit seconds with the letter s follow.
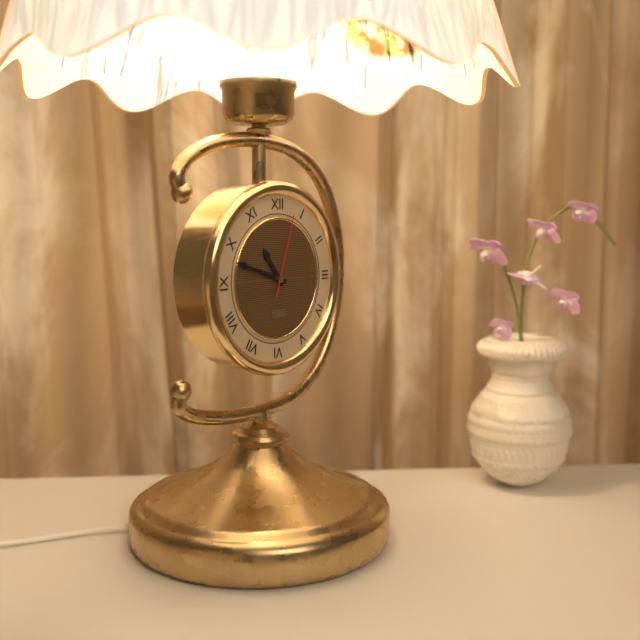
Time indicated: 10h48m03s
